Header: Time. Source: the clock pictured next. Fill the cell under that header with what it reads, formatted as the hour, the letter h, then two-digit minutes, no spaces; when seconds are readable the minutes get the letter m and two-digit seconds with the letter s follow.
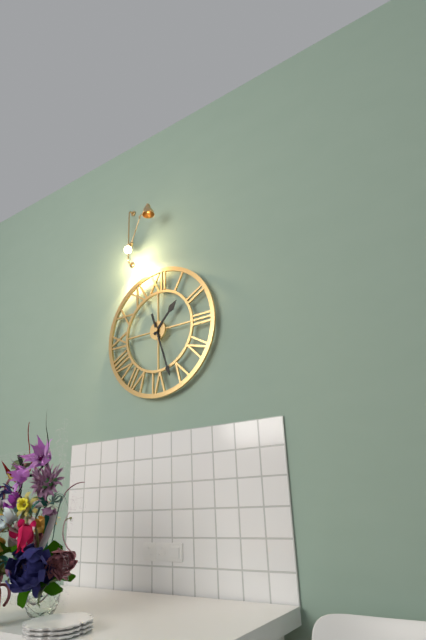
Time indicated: 1h27
